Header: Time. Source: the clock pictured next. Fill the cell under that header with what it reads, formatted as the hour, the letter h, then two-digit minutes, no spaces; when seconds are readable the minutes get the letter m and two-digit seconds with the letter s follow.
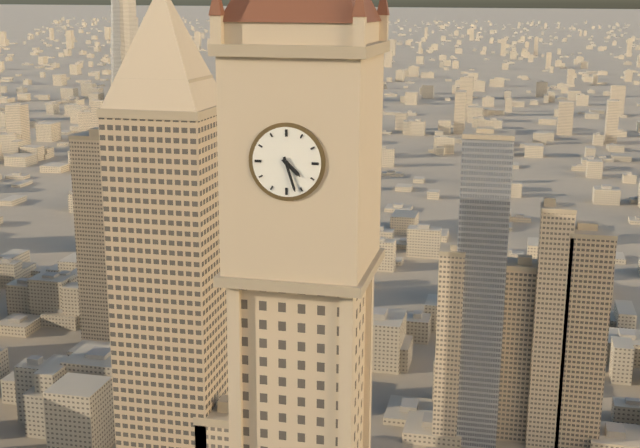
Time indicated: 4h27
